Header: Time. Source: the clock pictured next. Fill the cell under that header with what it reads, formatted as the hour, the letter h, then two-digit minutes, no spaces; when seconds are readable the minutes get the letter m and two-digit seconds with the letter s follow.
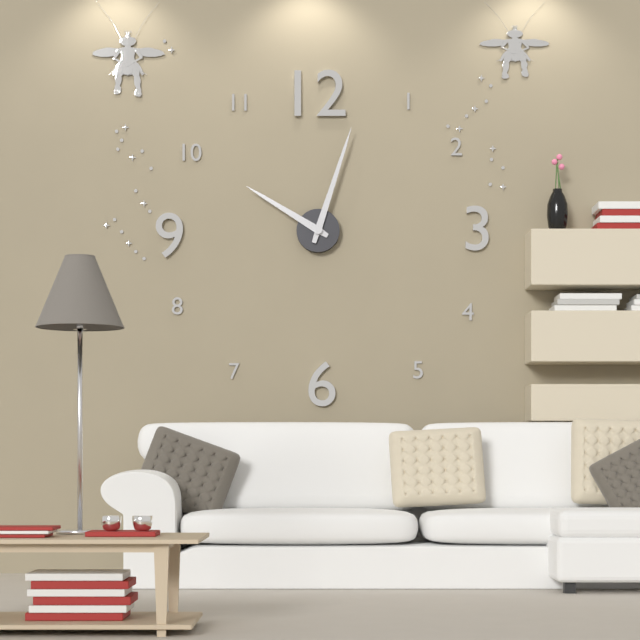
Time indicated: 10h03
